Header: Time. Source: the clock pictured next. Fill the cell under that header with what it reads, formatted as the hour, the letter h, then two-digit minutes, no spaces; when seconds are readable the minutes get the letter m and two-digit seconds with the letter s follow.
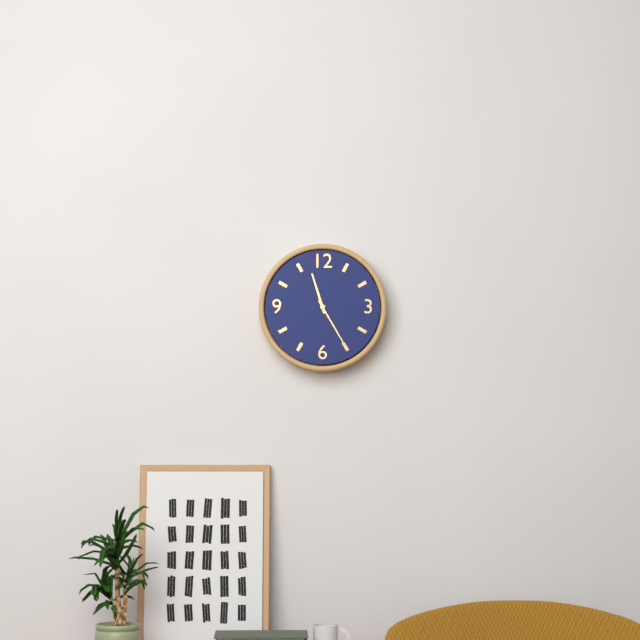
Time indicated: 11h25
